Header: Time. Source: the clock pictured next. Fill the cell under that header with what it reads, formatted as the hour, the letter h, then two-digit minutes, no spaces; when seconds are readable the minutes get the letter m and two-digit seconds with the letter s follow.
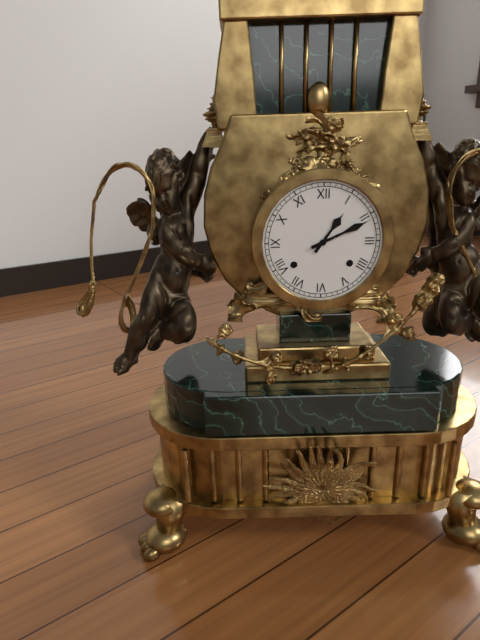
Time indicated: 1h11
